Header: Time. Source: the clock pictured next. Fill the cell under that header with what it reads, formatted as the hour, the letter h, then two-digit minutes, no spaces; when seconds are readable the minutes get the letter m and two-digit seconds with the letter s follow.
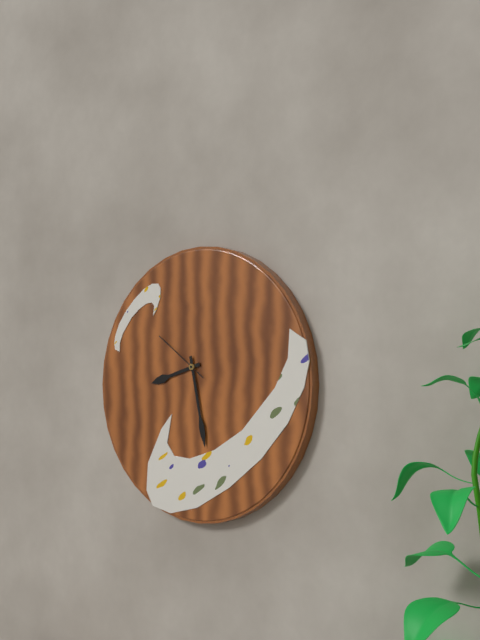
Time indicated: 8h28m51s
